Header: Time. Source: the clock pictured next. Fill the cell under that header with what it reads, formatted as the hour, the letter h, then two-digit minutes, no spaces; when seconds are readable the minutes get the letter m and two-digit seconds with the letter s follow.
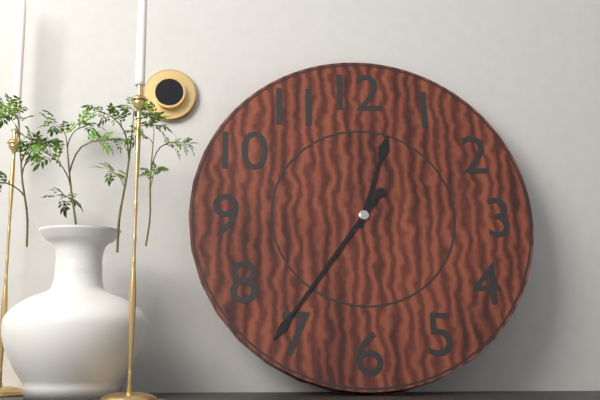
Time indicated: 12h36
